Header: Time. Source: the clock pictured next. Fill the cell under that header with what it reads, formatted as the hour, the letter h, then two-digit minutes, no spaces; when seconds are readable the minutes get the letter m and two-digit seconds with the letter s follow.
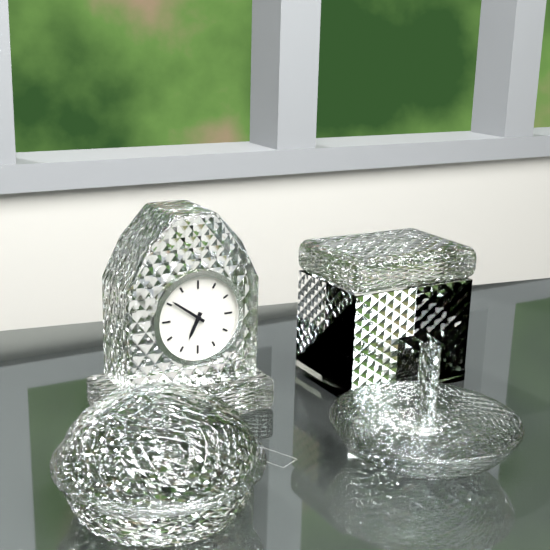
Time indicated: 6h51
